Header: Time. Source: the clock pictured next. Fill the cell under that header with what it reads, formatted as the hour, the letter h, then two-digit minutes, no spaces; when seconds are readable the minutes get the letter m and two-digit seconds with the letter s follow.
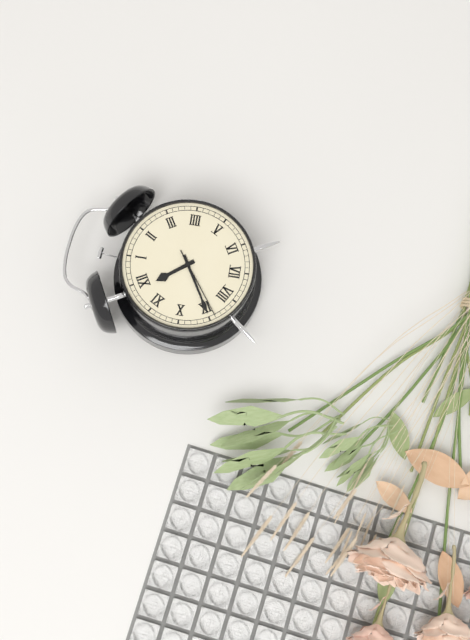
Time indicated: 11h45m44s
